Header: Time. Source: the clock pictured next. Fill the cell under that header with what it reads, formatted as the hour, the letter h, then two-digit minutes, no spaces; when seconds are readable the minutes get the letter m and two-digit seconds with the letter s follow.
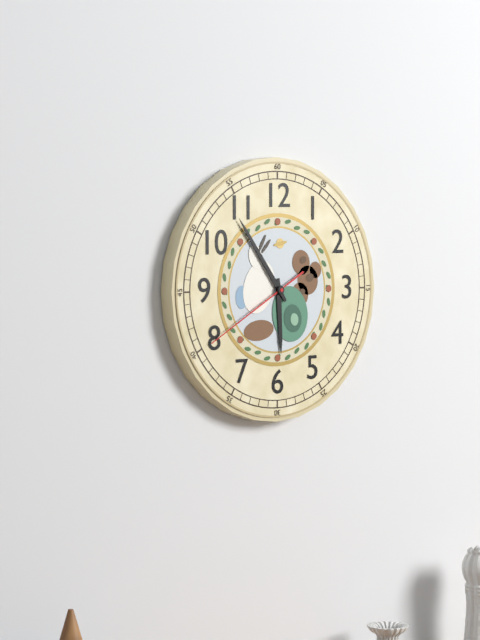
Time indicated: 5h54m40s
